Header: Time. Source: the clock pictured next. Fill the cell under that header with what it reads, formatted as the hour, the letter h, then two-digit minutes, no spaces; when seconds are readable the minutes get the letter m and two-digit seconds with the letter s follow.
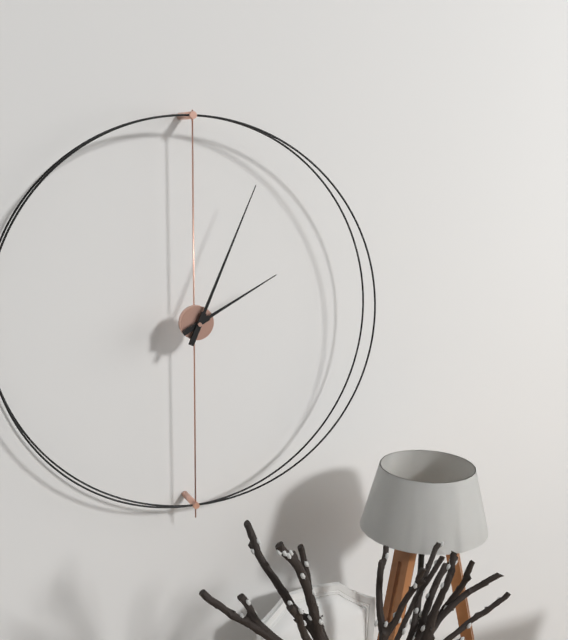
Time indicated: 2h04
